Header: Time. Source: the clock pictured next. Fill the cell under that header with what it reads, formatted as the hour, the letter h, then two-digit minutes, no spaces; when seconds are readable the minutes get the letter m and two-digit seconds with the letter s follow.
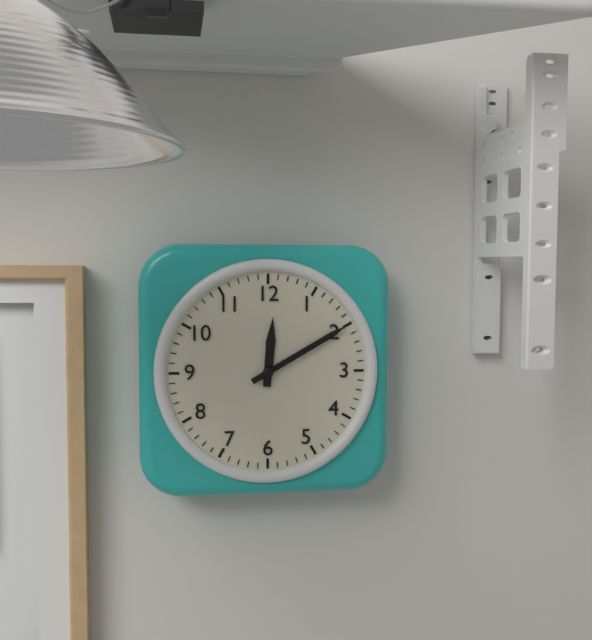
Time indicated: 12h10
